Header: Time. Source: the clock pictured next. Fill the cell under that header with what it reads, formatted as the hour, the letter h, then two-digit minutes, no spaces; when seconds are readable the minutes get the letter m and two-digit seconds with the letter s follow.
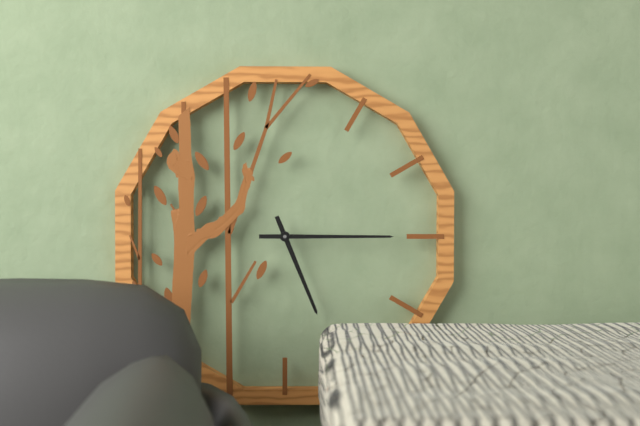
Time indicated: 5h15
